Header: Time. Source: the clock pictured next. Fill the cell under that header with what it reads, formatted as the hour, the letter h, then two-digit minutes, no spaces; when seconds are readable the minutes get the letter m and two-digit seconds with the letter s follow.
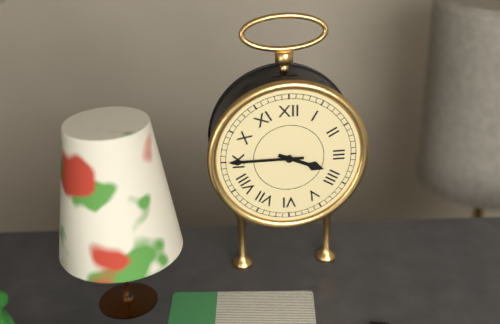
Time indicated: 3h45
